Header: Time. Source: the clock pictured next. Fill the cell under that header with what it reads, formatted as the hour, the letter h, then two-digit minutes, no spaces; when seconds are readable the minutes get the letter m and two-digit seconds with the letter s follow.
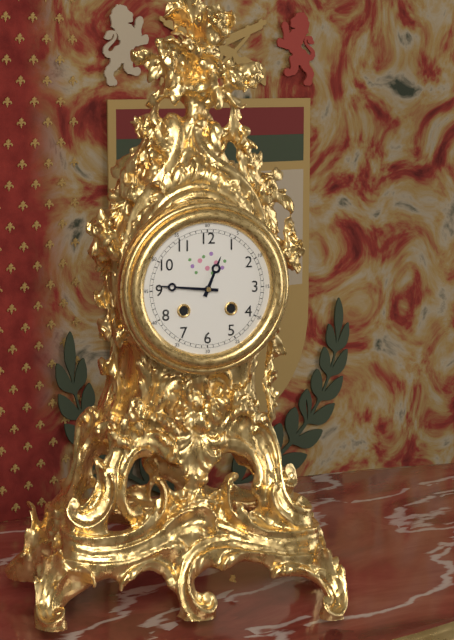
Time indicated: 12h46
